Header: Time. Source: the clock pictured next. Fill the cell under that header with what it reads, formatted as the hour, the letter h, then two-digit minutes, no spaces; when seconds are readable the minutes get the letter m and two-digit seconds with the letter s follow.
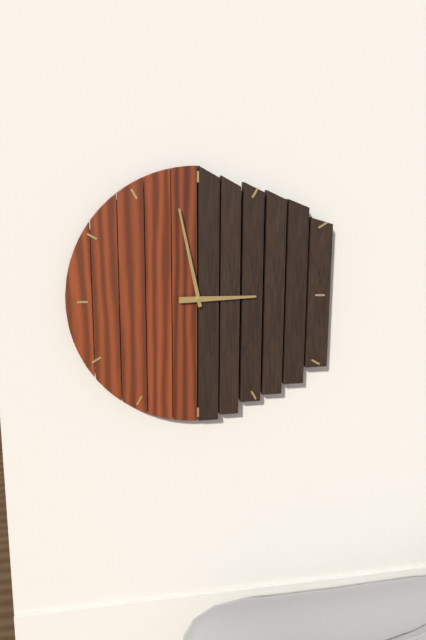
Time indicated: 2h58
